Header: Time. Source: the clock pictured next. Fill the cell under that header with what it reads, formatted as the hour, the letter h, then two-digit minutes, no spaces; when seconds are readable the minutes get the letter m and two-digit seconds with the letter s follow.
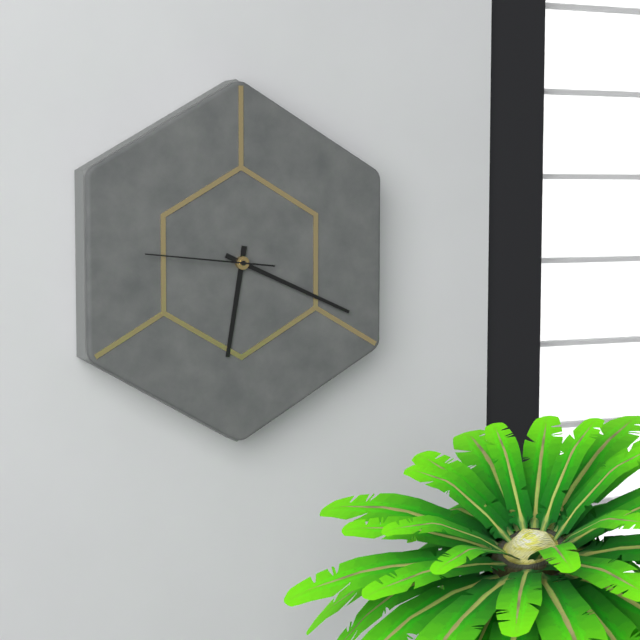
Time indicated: 6h19m46s
